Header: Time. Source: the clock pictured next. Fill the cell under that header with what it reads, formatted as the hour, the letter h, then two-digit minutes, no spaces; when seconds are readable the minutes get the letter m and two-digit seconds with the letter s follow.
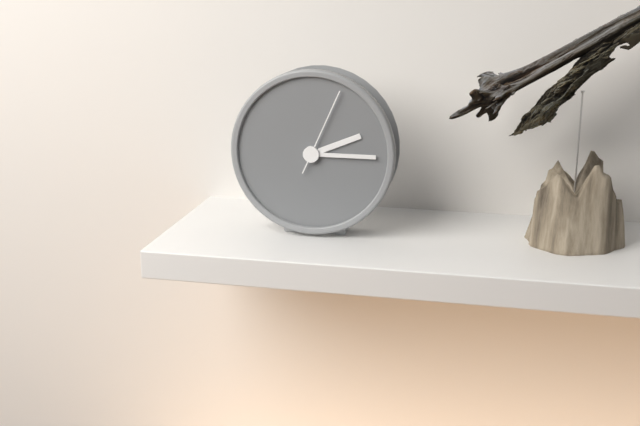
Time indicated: 2h15m04s
